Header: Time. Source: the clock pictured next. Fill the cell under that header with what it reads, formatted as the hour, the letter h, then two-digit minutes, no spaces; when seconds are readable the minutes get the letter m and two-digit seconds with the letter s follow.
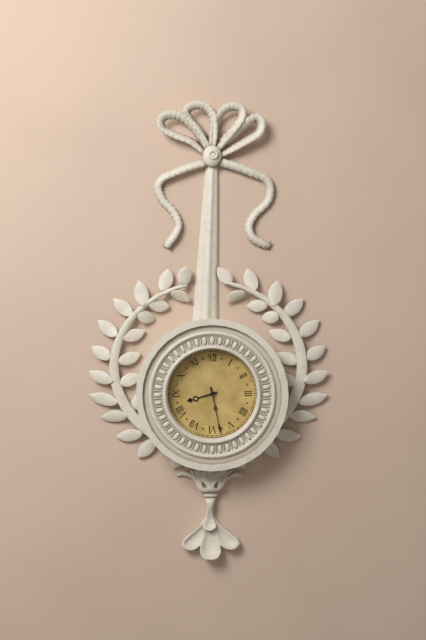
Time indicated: 8h28
